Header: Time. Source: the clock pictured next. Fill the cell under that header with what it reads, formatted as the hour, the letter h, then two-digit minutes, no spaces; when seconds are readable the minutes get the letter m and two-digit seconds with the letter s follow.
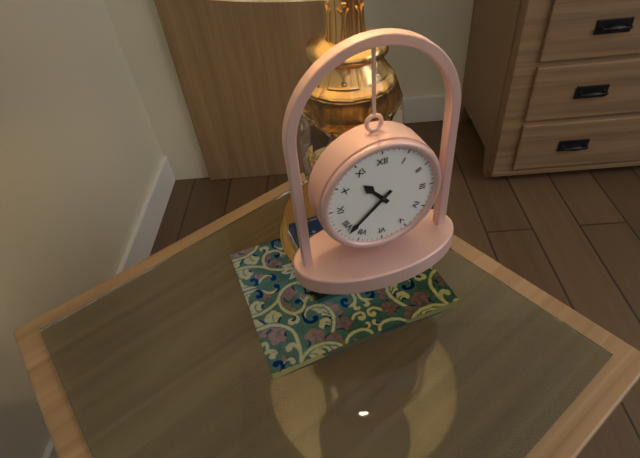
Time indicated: 10h38
